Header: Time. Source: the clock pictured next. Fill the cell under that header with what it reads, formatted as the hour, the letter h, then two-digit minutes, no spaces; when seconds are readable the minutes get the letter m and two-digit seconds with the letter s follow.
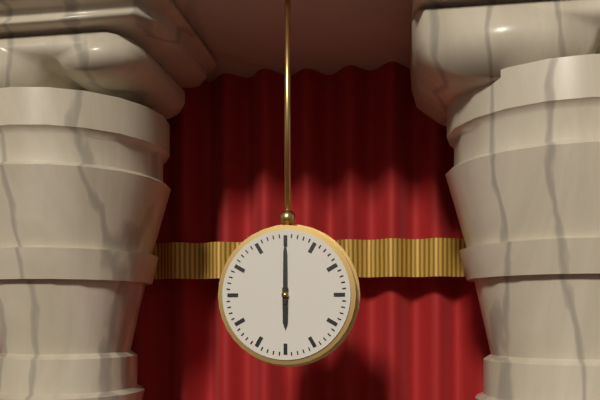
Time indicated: 6h00
